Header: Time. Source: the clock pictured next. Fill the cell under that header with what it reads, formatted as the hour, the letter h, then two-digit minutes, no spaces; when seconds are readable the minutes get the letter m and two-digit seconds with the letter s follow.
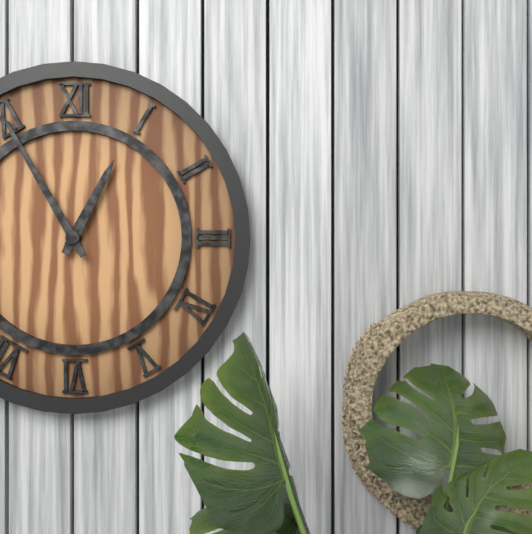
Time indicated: 12h55
